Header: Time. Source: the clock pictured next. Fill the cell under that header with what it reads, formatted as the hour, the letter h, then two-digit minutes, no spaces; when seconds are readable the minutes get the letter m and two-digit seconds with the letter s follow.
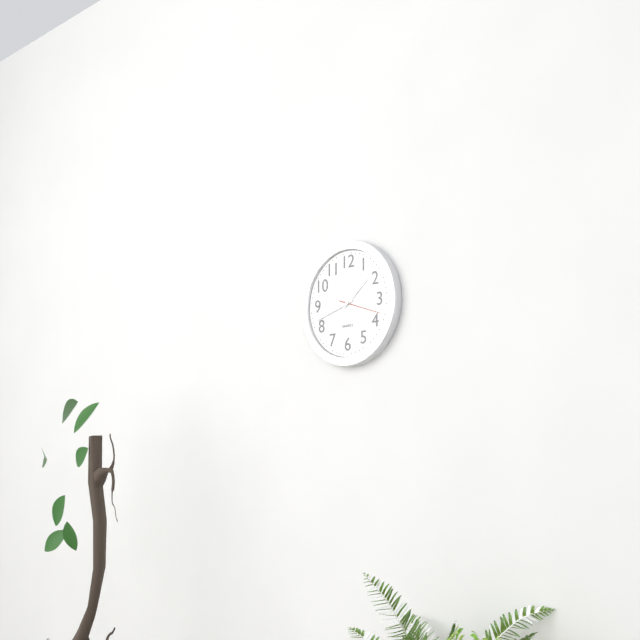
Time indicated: 1h42
